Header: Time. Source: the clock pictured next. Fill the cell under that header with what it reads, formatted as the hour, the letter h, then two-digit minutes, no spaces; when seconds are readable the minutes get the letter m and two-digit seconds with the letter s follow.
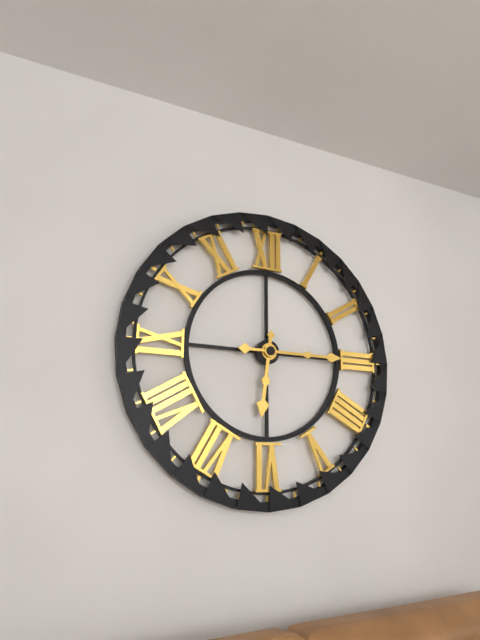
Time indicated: 6h15
